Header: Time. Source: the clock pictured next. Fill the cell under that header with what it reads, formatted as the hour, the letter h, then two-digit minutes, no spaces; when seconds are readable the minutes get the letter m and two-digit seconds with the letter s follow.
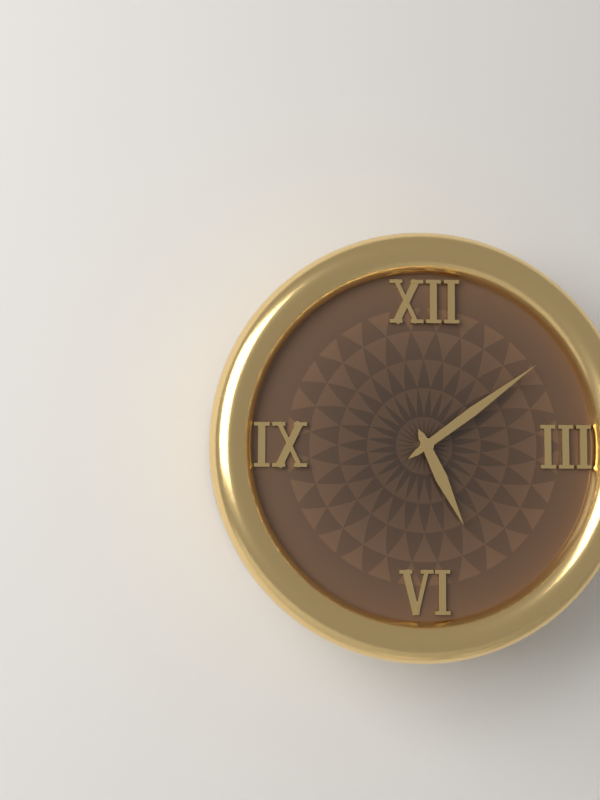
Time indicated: 5h09
